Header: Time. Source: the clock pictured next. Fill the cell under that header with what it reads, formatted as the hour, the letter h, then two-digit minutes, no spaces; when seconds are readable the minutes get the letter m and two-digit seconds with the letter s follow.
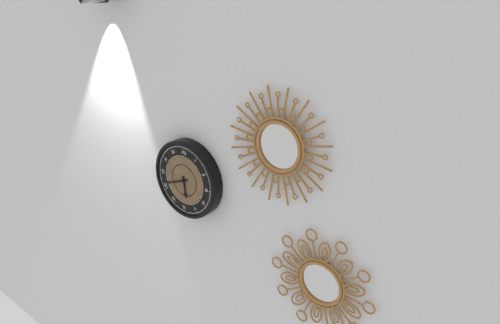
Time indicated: 5h41
